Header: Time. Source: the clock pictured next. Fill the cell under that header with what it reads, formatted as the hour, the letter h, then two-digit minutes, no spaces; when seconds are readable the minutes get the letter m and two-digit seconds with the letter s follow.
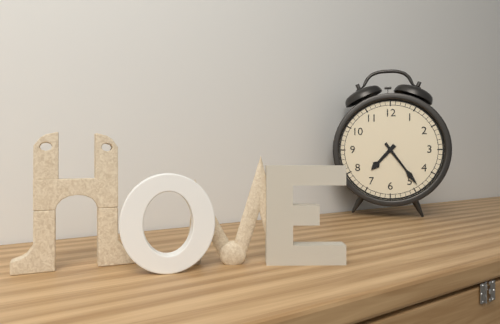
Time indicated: 7h24
